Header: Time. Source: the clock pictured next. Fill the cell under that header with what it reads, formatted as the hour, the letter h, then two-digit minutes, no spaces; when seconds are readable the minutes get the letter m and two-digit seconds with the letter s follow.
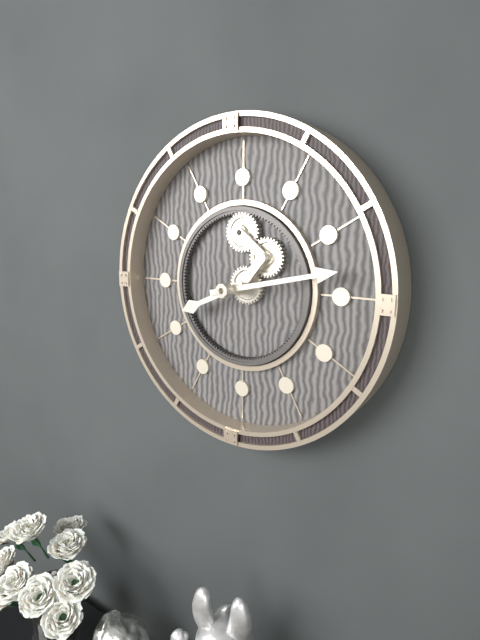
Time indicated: 8h13
